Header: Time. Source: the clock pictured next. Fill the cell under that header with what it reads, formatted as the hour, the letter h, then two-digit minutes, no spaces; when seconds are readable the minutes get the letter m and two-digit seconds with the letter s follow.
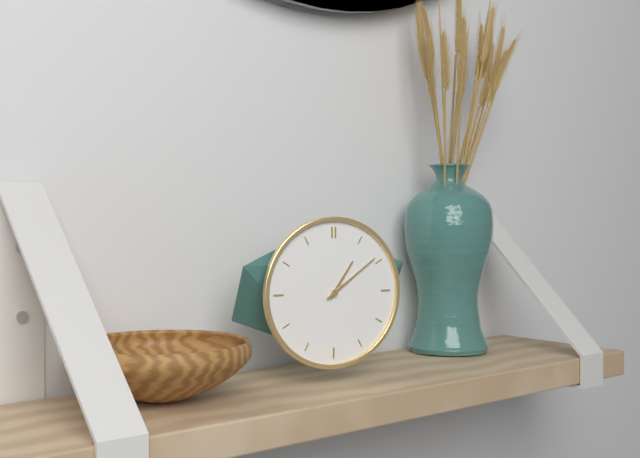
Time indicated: 1h09
